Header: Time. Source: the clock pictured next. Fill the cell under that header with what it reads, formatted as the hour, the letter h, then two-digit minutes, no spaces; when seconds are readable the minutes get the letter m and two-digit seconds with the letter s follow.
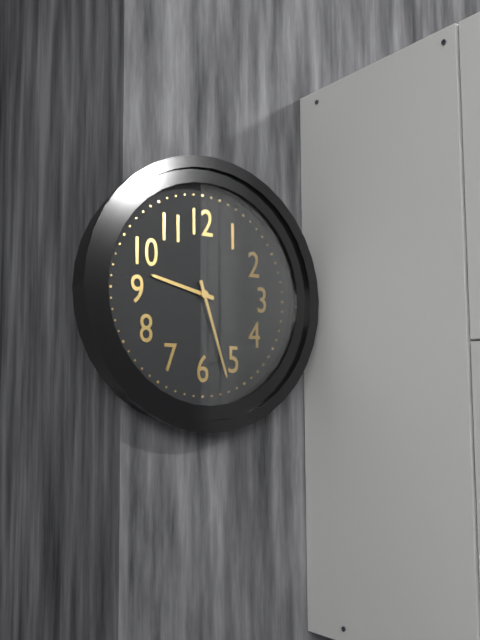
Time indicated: 9h27
